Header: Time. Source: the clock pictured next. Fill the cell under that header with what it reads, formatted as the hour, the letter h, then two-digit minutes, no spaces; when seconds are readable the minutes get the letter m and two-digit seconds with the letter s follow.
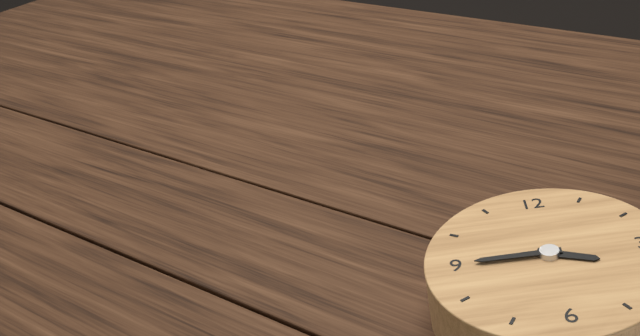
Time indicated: 3h45
